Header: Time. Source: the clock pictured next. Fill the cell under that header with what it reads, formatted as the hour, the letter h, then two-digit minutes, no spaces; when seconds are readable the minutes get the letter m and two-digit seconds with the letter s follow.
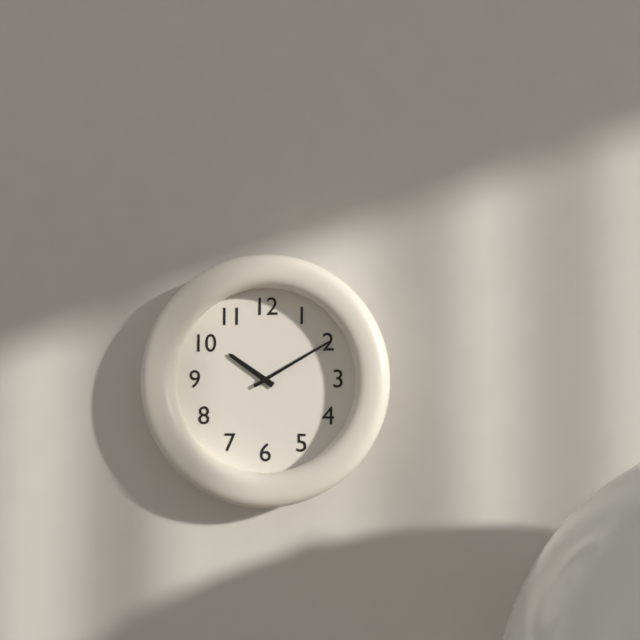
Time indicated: 10h10
